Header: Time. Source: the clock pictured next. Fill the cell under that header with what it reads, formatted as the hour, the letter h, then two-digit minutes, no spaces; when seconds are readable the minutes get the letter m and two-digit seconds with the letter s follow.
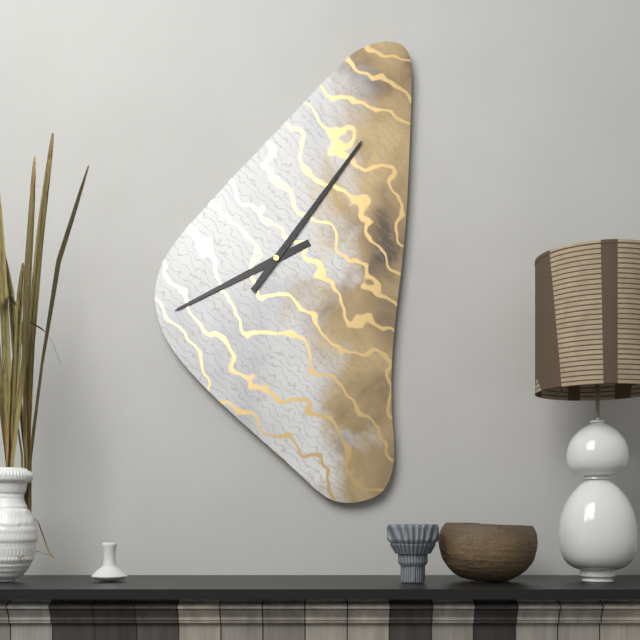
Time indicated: 8h06
